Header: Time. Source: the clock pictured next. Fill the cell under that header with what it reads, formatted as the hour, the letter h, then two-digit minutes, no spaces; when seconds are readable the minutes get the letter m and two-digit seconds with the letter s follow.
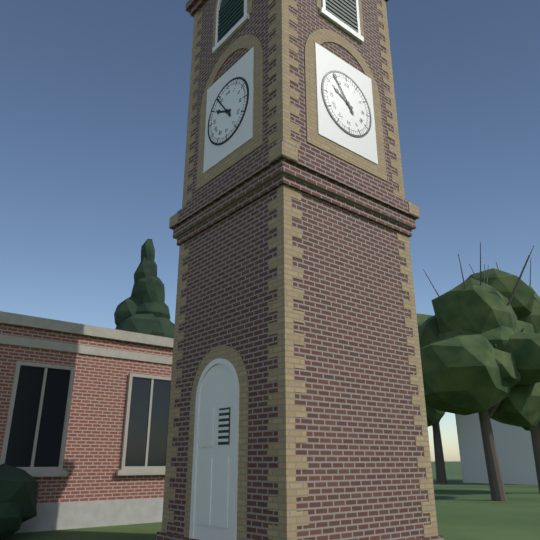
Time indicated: 9h54
